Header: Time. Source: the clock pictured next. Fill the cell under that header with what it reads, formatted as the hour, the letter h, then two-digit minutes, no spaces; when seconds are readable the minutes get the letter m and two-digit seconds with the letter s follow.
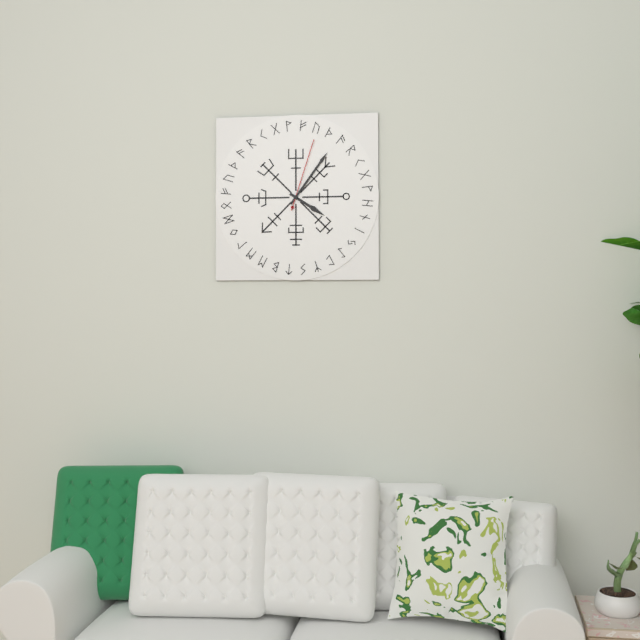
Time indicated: 4h06m03s
